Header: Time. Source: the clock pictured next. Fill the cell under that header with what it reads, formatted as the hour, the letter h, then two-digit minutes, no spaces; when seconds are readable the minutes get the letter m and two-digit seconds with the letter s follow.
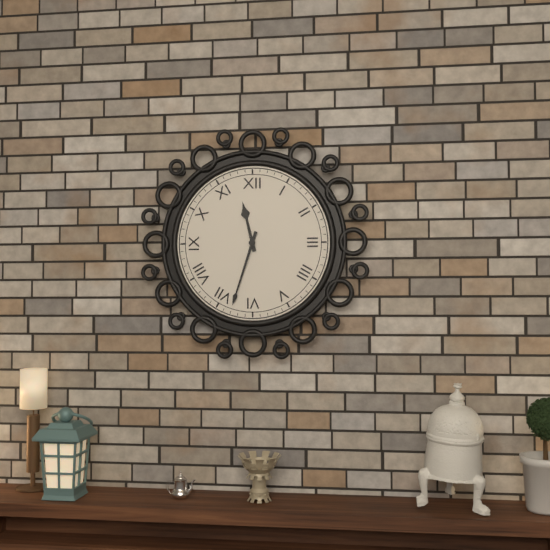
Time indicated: 11h33
